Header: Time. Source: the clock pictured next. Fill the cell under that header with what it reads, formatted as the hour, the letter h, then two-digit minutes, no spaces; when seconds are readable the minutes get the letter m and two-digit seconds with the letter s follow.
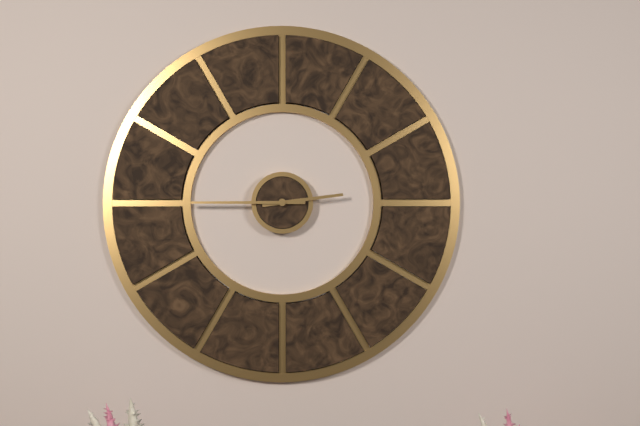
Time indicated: 2h45
